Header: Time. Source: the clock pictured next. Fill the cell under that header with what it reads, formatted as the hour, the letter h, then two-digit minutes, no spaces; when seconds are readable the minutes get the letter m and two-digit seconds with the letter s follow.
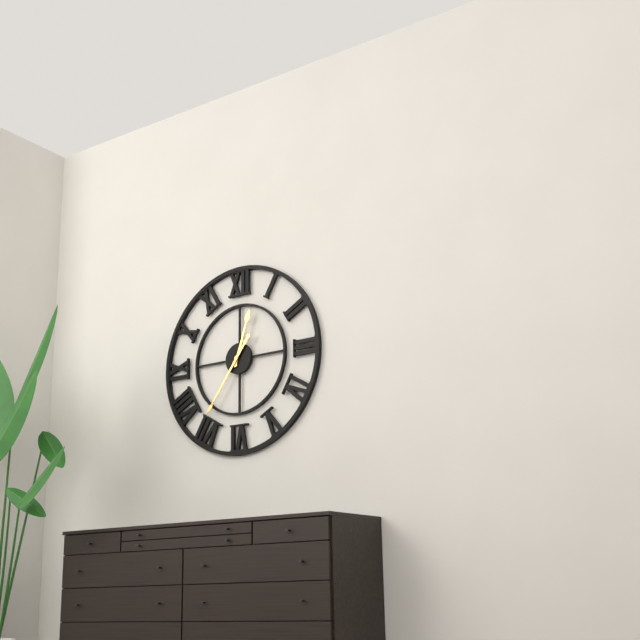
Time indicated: 12h36
